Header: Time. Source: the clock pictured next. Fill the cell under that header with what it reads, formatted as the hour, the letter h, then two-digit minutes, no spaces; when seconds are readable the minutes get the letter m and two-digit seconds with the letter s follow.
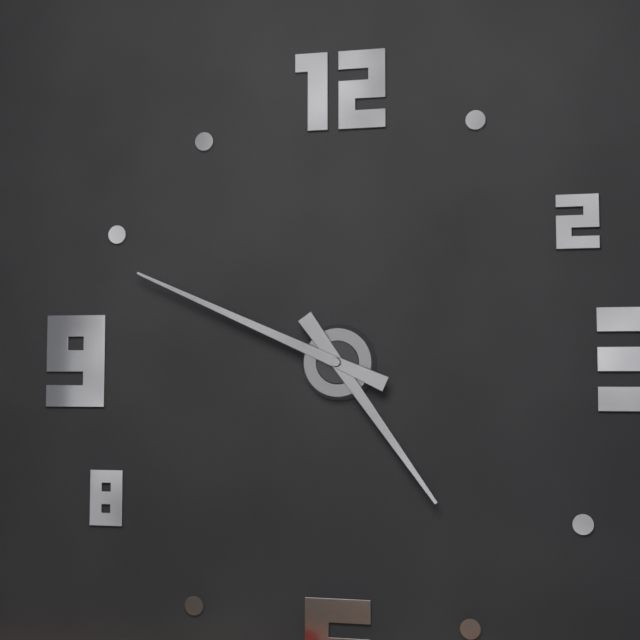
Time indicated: 4h49
